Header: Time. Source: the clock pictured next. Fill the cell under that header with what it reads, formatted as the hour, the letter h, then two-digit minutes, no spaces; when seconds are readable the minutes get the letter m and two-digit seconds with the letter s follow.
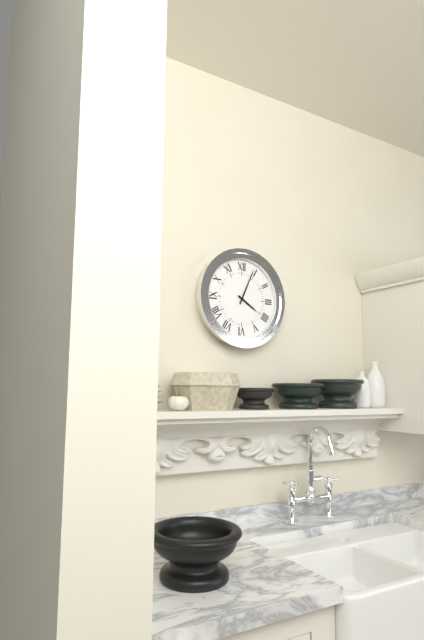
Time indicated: 4h04
